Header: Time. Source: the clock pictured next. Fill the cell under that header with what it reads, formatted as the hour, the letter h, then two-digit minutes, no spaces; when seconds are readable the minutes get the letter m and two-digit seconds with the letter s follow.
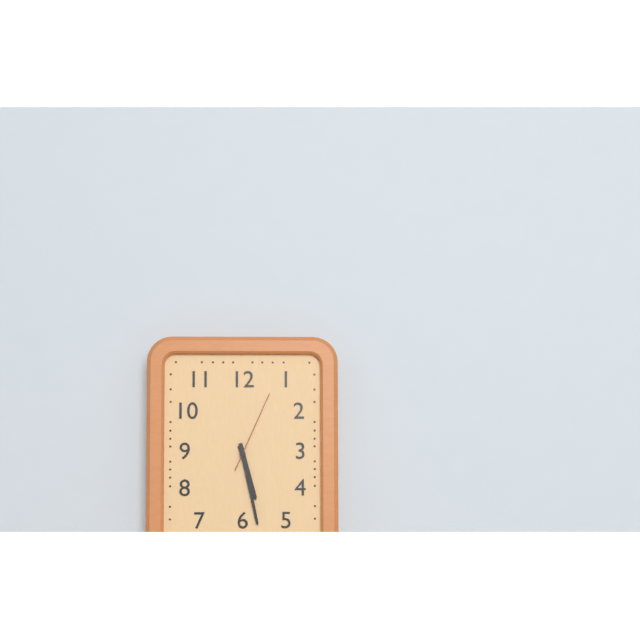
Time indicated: 5h28m04s
